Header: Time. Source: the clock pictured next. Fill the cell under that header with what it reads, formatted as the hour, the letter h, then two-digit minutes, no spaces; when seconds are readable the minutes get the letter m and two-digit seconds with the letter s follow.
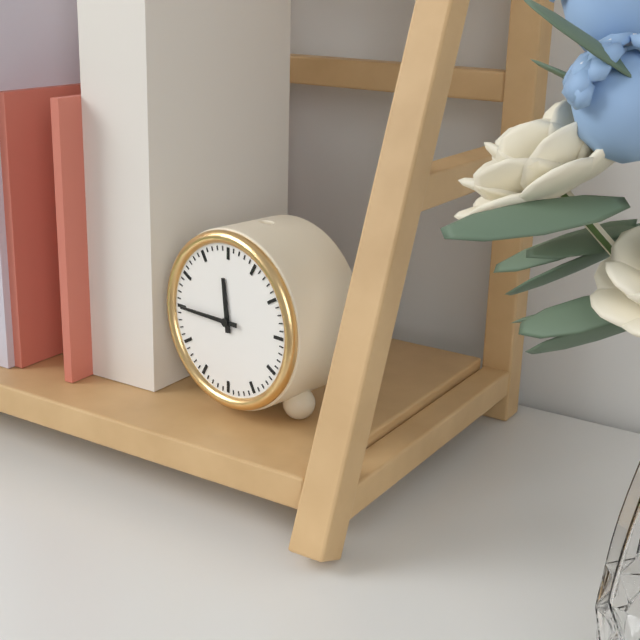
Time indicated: 11h45
